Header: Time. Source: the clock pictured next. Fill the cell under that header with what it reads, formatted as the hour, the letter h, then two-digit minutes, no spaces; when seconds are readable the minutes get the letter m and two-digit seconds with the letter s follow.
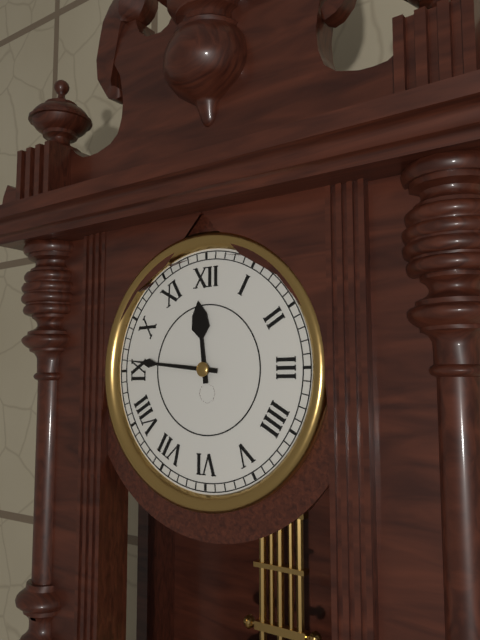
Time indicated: 11h46
